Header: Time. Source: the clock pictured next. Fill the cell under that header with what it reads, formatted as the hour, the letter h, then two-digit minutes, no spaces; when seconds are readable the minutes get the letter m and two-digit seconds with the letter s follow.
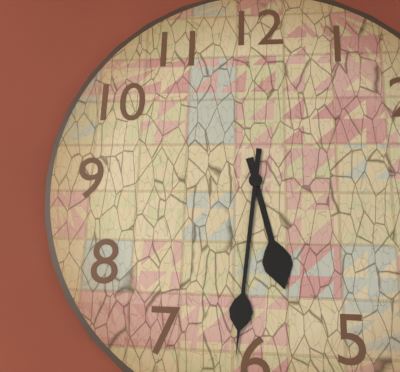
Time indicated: 5h31
